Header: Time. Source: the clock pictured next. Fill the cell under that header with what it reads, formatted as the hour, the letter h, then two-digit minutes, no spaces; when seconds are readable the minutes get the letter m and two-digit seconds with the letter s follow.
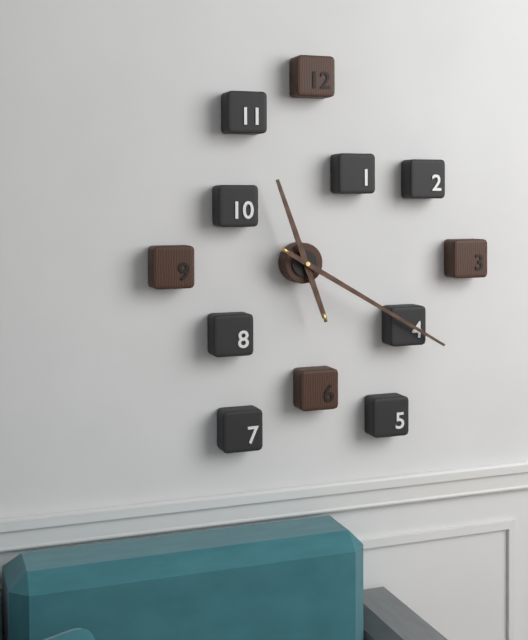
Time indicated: 11h20
